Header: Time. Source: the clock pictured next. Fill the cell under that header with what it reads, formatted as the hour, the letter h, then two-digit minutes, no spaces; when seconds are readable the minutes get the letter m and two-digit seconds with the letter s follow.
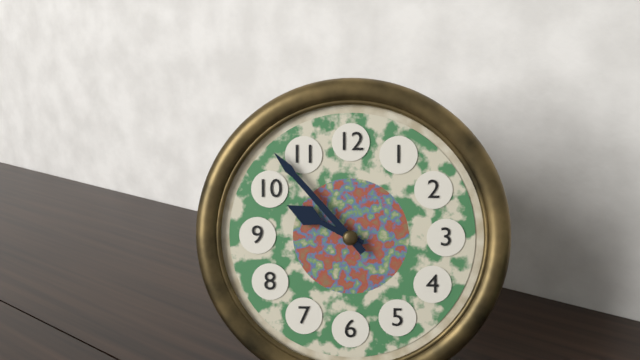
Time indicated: 9h53
